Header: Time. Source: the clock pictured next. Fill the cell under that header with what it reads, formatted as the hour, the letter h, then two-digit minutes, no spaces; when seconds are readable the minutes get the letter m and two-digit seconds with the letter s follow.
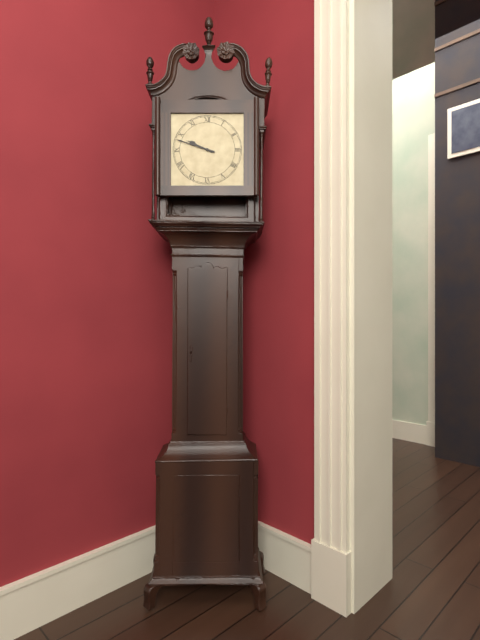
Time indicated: 9h48
